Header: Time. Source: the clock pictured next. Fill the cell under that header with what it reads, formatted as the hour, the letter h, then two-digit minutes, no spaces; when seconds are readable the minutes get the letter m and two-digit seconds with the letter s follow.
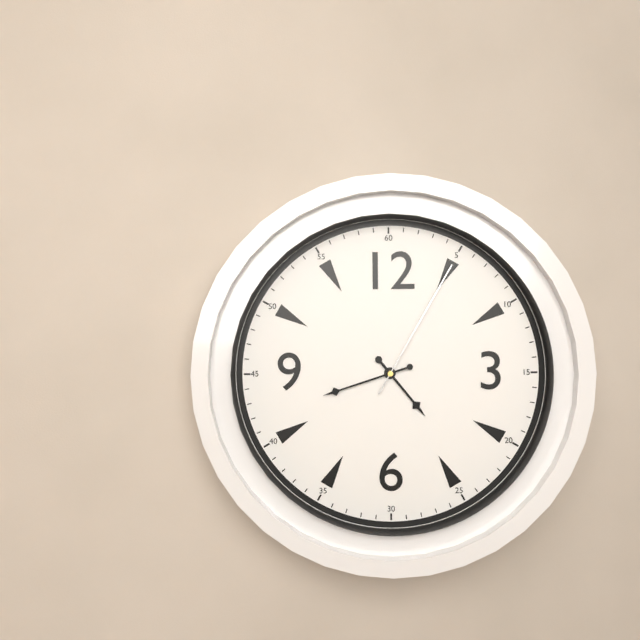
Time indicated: 4h42m05s
